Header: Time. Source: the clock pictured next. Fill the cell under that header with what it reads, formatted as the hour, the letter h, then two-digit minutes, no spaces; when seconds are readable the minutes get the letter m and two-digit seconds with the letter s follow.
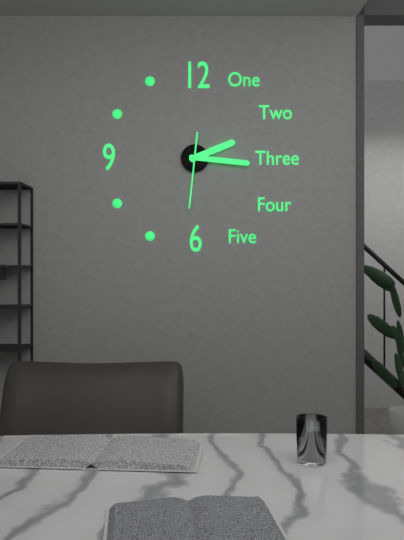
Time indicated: 2h16m31s
